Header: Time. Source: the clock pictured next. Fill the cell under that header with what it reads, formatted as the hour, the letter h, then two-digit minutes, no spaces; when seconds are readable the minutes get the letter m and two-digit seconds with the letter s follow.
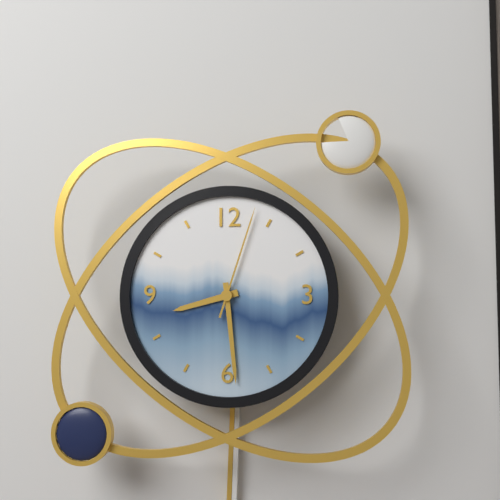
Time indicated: 8h29m03s
